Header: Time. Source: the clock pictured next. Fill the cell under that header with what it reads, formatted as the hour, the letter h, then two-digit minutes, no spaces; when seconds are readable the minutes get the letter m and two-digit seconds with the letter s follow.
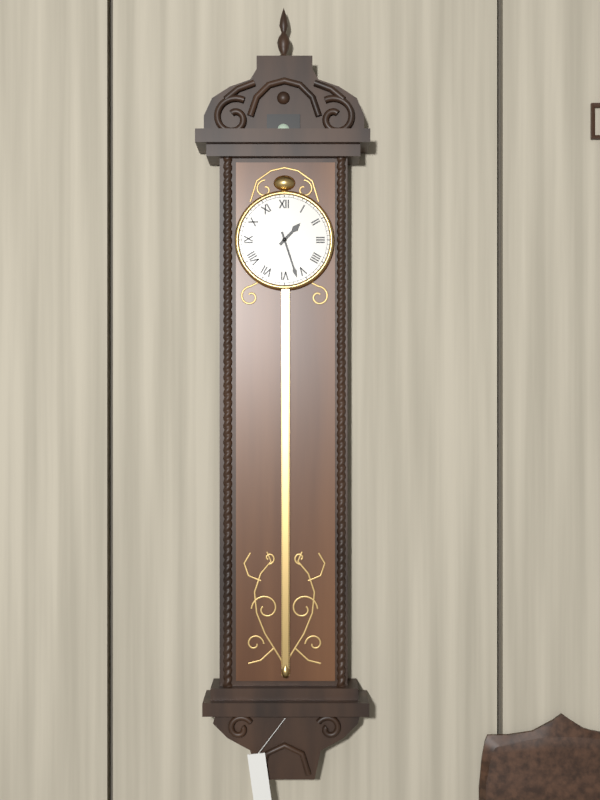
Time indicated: 1h27
